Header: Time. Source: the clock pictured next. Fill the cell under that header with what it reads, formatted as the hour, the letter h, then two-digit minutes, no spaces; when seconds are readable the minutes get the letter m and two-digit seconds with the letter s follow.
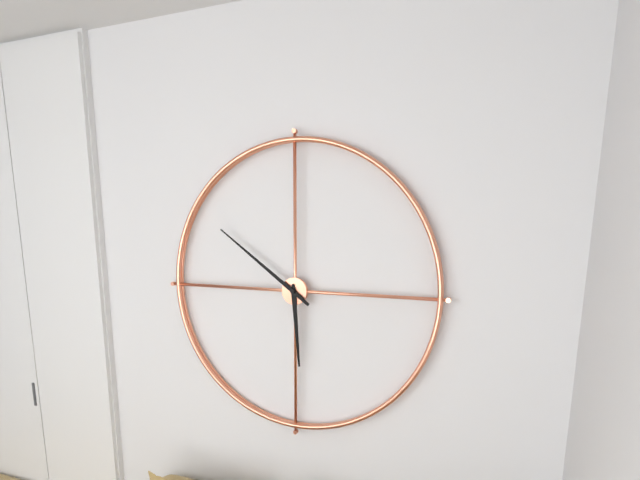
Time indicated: 5h51
